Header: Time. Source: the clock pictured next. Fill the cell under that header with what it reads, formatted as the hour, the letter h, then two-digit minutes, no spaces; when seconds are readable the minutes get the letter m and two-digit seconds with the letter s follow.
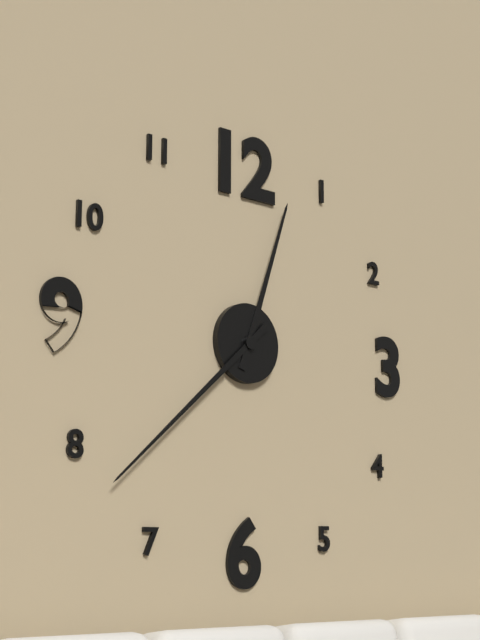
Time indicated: 12h38
